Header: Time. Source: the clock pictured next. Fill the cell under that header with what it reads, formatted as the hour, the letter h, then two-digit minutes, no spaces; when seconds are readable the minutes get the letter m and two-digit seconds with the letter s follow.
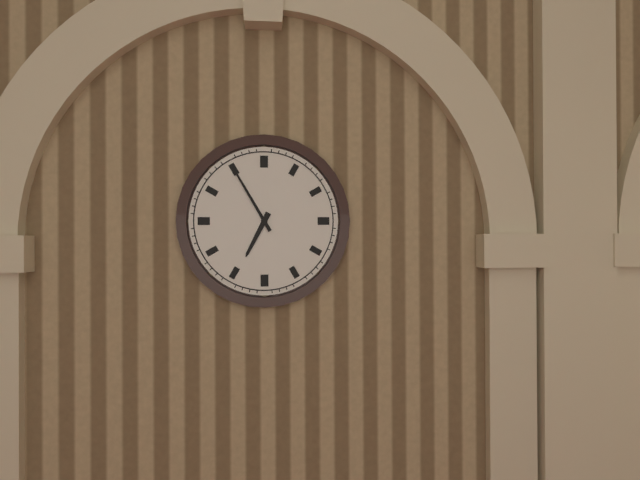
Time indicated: 6h55
